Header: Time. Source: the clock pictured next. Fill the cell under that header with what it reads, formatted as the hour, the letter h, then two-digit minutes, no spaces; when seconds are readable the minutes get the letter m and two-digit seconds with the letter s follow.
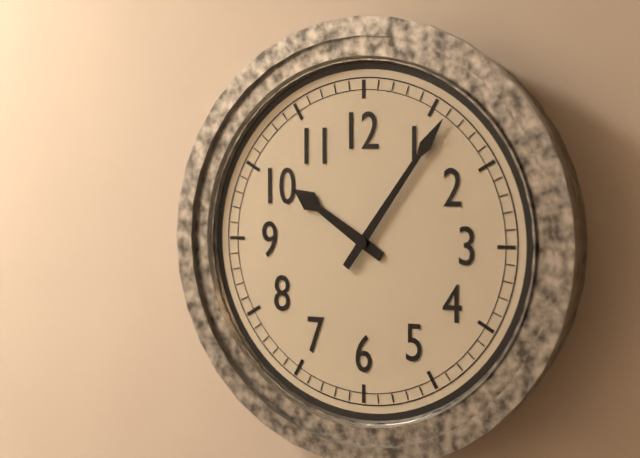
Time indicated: 10h06
